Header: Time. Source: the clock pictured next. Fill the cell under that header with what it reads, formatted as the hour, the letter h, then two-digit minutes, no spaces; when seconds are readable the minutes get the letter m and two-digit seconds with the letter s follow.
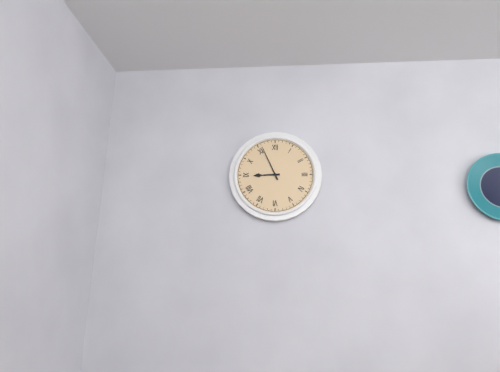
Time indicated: 8h56
